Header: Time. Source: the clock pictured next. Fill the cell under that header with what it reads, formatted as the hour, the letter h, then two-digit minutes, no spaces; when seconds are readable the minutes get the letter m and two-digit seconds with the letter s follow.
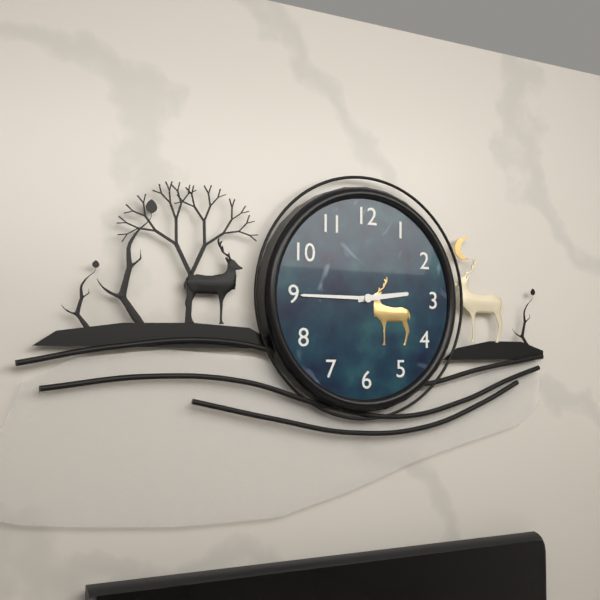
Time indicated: 2h45
